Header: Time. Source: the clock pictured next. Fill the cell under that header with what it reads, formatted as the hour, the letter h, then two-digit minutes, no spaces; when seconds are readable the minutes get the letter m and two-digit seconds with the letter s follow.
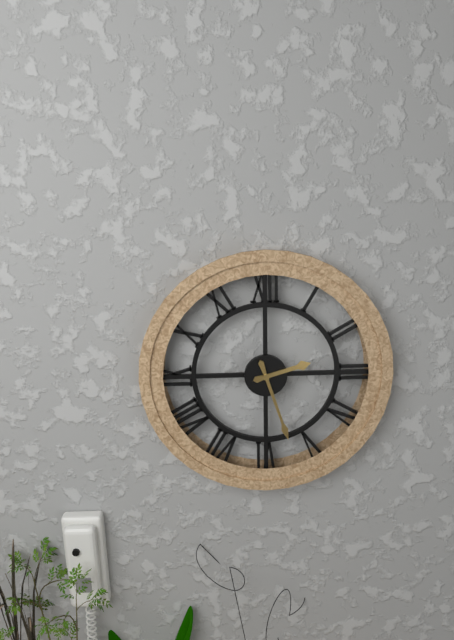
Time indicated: 2h27
